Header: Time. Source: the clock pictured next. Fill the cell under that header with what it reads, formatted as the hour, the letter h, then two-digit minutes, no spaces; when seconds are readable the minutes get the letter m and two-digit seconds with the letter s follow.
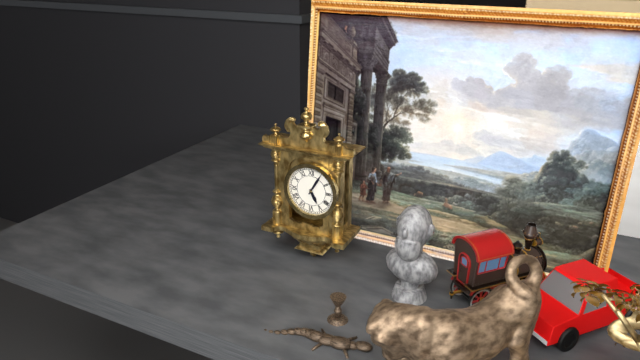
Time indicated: 5h05
